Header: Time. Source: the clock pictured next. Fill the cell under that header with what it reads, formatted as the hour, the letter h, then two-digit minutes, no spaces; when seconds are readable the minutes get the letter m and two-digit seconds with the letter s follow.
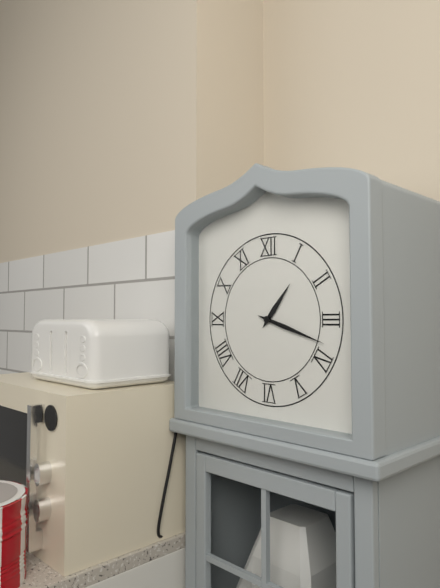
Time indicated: 1h18
